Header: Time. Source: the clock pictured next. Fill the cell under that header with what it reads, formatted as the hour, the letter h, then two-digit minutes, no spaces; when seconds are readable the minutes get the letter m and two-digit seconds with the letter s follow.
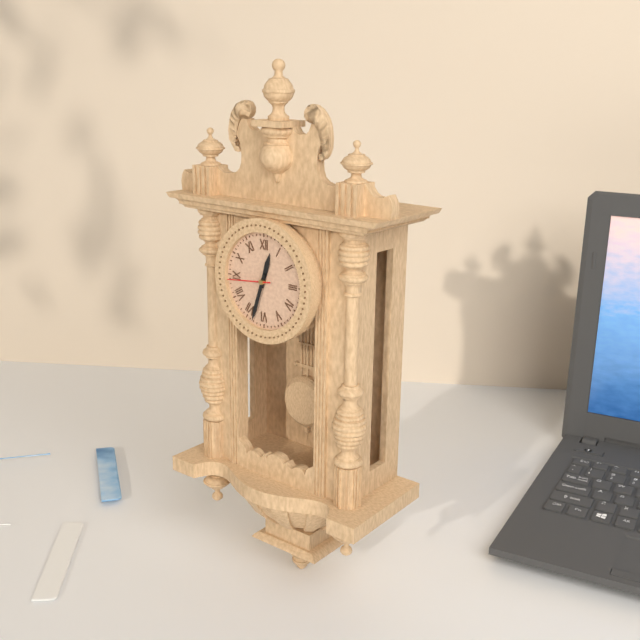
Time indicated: 12h33
